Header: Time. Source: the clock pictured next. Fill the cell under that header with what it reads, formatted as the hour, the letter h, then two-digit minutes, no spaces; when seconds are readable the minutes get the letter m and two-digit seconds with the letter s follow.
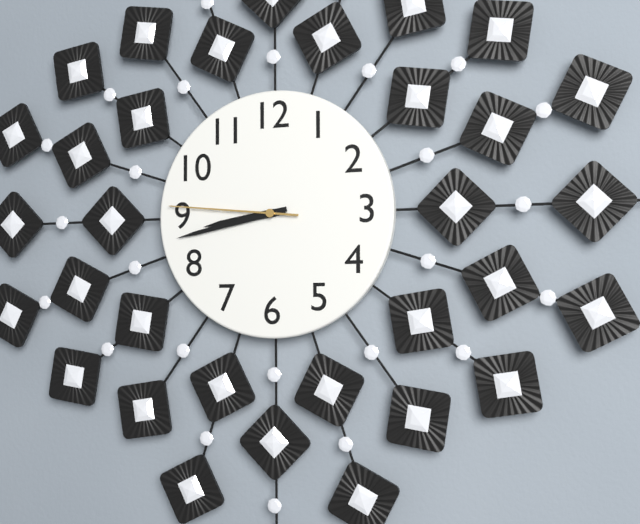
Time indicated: 8h43m46s
